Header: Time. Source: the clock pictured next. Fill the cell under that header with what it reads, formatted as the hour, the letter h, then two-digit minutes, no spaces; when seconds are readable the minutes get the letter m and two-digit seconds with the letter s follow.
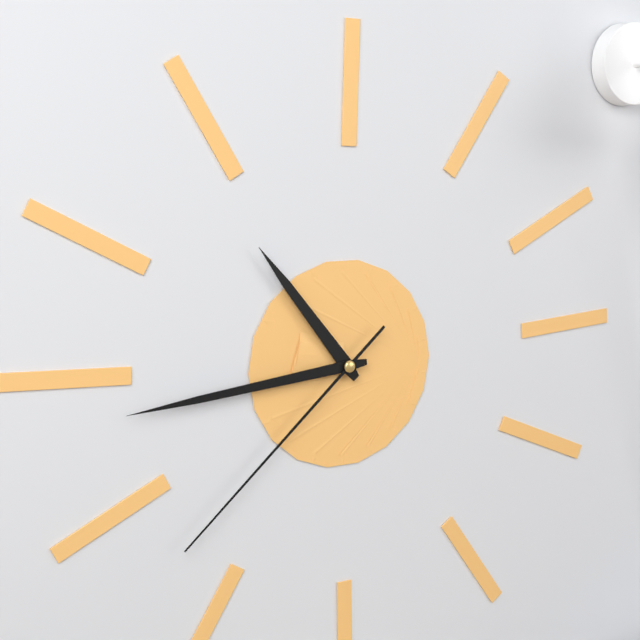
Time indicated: 10h44m38s
